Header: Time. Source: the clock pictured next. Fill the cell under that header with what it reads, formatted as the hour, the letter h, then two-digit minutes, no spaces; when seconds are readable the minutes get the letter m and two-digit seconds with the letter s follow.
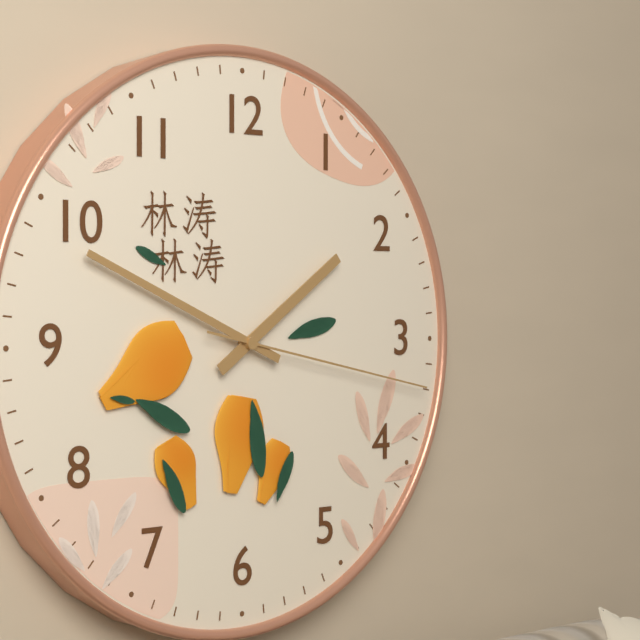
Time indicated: 1h49m17s
